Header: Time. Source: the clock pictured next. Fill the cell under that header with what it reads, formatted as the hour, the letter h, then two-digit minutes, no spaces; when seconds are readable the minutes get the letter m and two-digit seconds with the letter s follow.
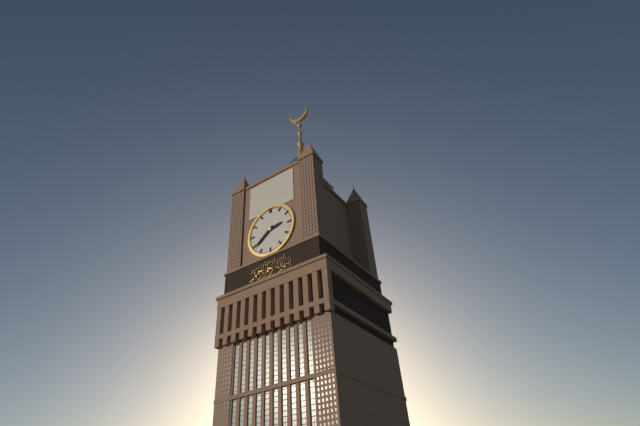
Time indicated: 2h39
